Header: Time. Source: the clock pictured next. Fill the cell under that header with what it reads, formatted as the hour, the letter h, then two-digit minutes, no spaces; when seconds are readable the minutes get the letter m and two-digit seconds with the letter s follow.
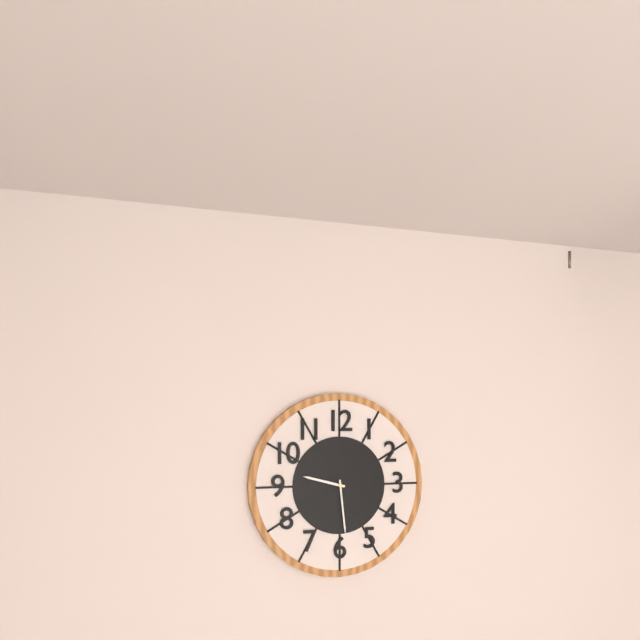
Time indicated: 9h29
